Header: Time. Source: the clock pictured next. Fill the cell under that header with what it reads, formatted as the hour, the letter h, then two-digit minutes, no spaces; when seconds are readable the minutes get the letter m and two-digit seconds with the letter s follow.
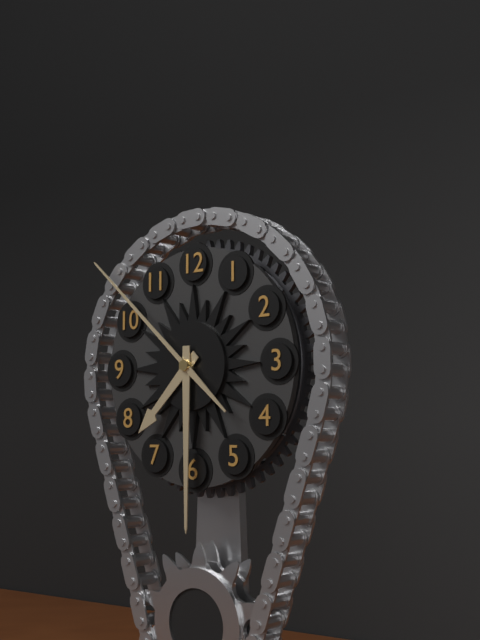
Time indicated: 7h30m52s
